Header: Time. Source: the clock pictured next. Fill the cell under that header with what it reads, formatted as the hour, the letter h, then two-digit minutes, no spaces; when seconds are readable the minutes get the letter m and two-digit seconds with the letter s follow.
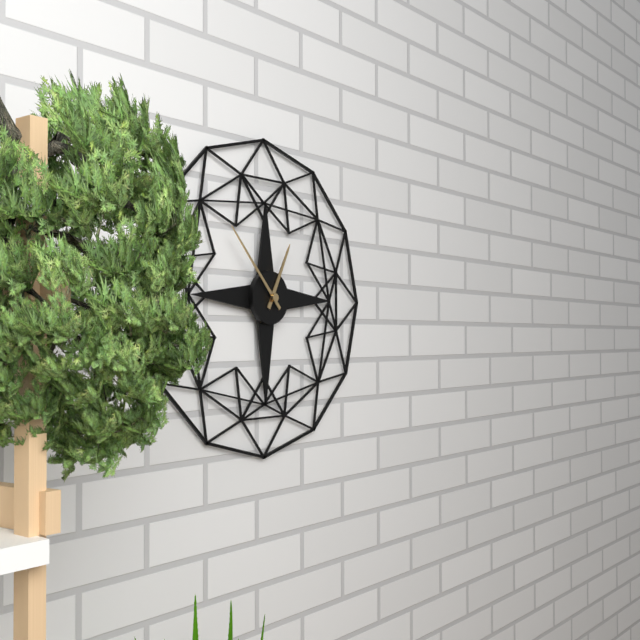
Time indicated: 12h53
